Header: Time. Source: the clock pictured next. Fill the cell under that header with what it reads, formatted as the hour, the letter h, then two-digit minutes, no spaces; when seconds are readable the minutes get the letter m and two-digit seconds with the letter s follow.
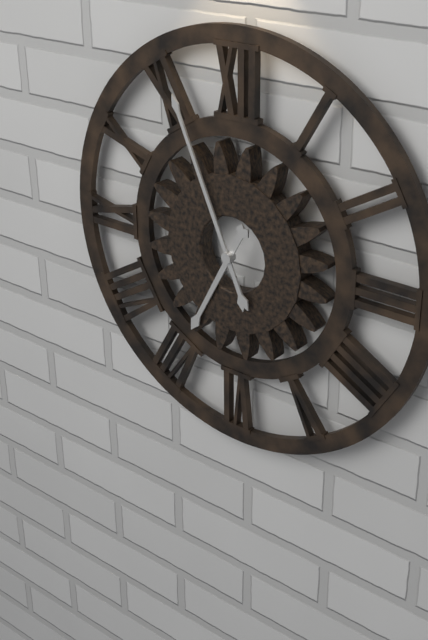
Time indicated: 6h56
